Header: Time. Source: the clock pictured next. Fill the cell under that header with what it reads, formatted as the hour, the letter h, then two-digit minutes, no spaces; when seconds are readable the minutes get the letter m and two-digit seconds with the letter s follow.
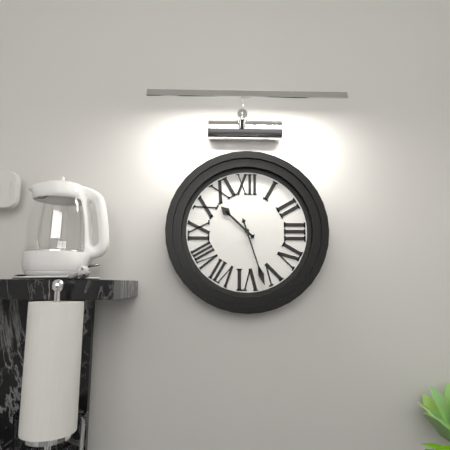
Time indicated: 10h27
